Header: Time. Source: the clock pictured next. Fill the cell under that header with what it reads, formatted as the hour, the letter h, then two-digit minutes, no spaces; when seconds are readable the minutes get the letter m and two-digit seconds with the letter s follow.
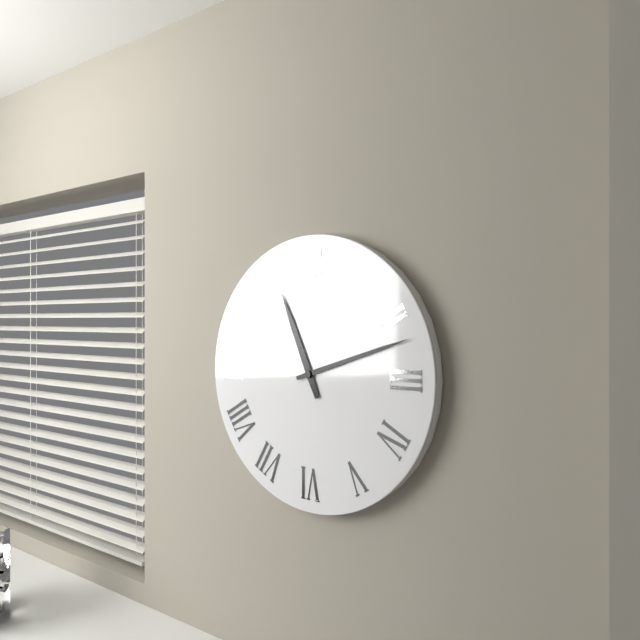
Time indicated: 11h12
